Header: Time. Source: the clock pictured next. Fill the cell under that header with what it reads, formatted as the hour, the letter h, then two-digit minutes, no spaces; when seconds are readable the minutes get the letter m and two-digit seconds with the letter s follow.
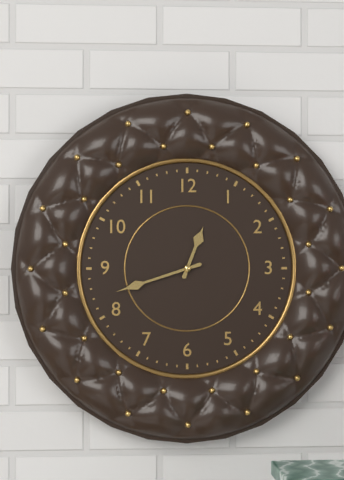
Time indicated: 12h42
